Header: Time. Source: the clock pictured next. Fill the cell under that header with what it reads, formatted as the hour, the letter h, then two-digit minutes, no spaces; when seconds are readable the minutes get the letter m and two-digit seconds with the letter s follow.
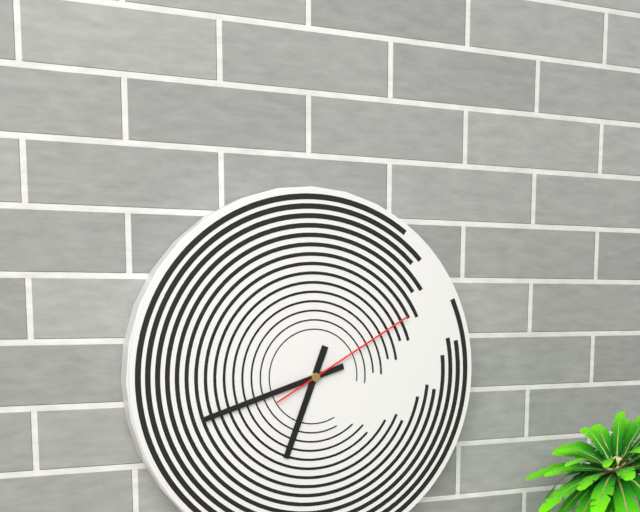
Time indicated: 6h42m10s
